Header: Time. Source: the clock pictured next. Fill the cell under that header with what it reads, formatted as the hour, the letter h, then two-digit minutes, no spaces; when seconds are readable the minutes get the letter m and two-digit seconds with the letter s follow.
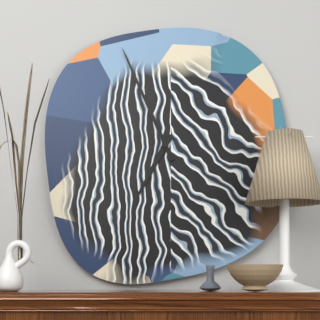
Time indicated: 6h56
